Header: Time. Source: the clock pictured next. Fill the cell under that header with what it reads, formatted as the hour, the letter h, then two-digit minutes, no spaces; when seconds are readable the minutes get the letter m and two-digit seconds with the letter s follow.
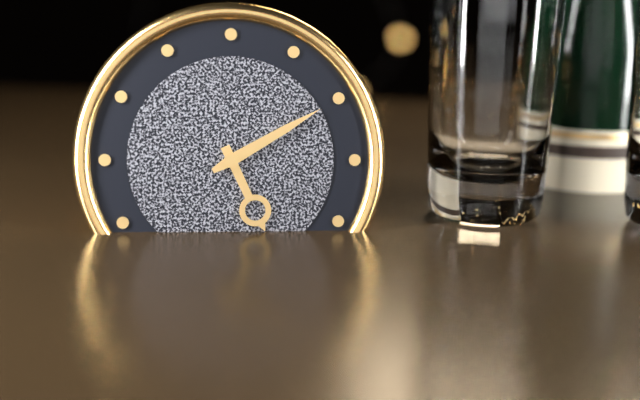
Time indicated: 5h10
